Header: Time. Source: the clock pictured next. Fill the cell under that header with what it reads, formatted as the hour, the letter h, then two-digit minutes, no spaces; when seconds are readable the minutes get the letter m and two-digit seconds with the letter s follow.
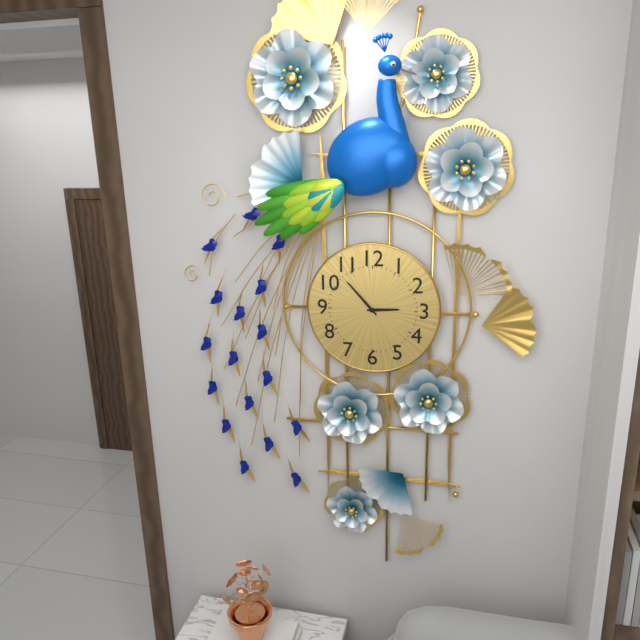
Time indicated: 2h53
